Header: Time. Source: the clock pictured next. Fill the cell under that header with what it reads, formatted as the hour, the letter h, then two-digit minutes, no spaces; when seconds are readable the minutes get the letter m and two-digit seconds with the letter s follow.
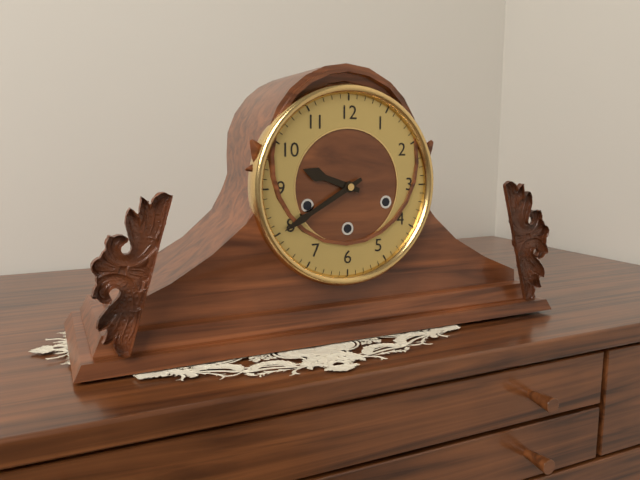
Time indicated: 9h40
